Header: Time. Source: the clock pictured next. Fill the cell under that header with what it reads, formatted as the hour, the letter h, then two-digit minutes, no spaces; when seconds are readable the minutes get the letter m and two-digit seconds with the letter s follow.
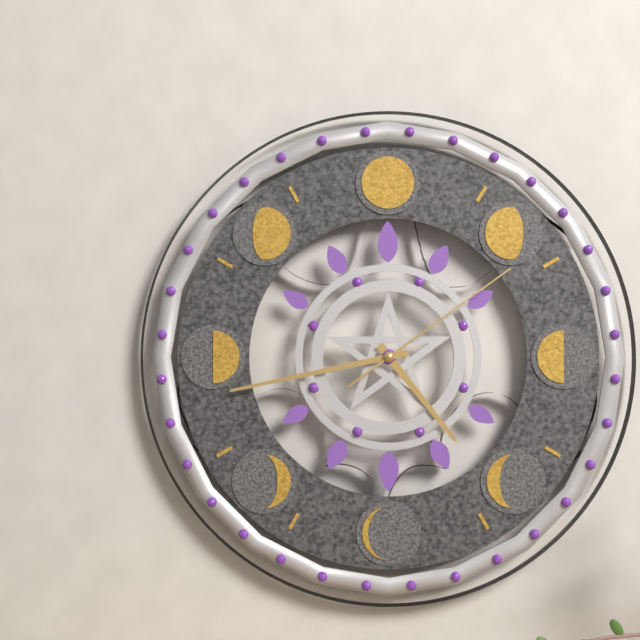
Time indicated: 4h43m09s
